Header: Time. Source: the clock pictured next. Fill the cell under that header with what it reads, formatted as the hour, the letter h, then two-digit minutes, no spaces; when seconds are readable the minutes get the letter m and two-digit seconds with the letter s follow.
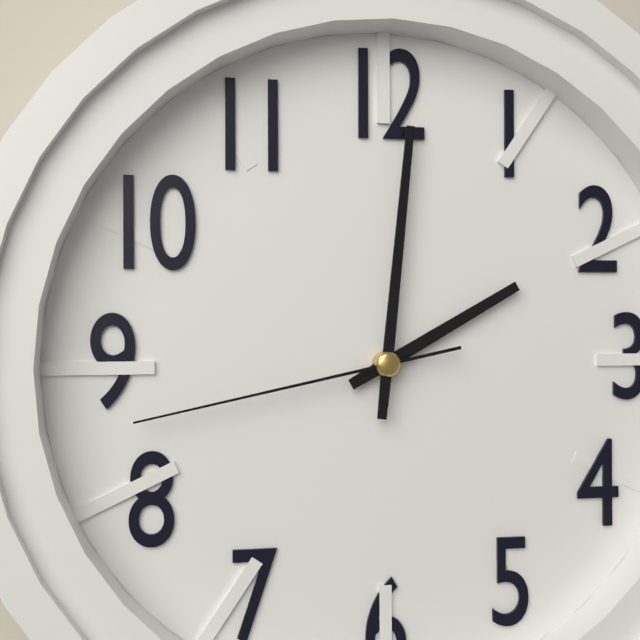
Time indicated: 2h01m43s
